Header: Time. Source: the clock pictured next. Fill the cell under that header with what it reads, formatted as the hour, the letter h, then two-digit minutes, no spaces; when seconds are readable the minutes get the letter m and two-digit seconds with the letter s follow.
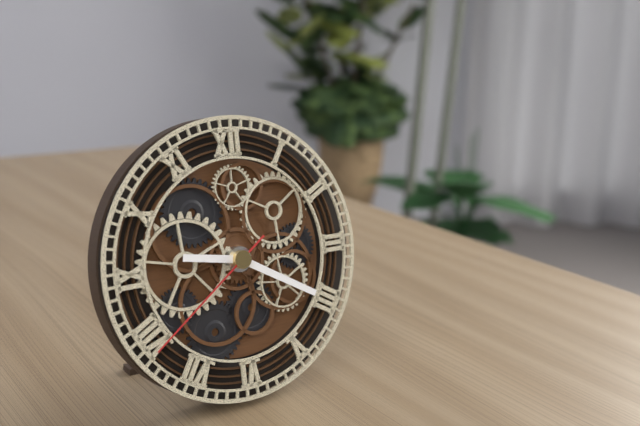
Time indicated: 9h20m39s
